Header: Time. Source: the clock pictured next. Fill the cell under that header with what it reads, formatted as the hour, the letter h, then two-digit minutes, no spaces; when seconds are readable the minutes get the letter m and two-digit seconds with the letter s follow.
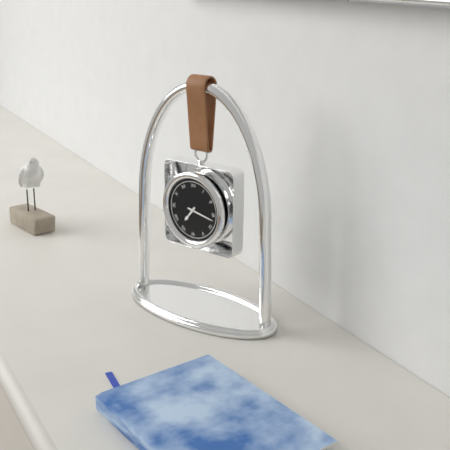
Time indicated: 7h17
